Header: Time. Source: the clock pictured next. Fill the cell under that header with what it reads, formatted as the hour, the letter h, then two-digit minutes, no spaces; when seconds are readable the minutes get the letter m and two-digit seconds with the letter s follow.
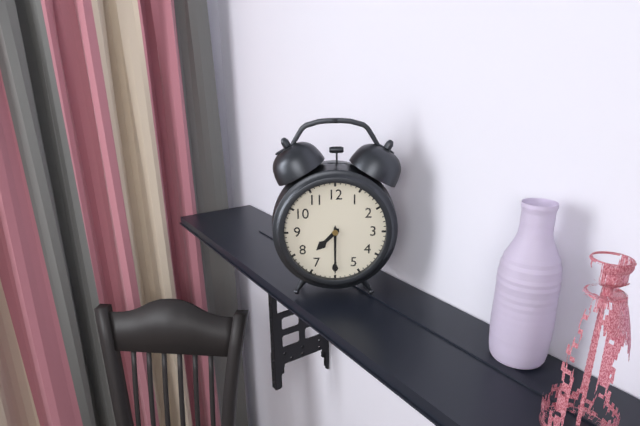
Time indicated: 7h30
